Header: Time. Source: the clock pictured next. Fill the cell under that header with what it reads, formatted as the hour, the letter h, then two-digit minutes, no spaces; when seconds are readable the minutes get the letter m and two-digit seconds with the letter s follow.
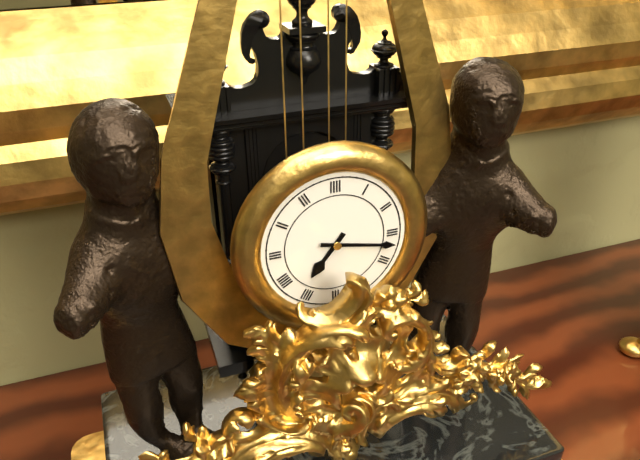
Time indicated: 7h17
